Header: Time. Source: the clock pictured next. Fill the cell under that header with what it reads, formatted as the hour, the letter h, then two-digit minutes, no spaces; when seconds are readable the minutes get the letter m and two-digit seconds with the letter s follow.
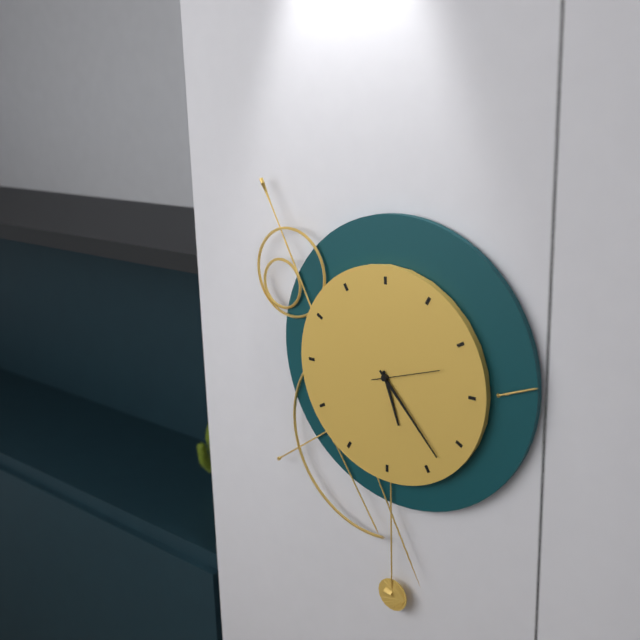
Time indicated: 5h23m12s
